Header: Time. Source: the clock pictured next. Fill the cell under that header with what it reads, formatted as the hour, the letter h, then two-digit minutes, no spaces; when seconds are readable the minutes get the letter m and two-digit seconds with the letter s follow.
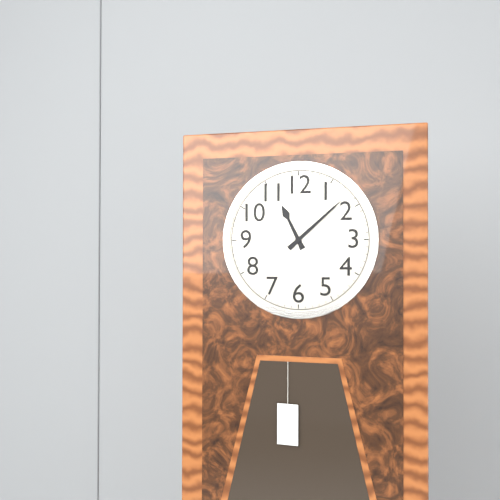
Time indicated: 11h08
